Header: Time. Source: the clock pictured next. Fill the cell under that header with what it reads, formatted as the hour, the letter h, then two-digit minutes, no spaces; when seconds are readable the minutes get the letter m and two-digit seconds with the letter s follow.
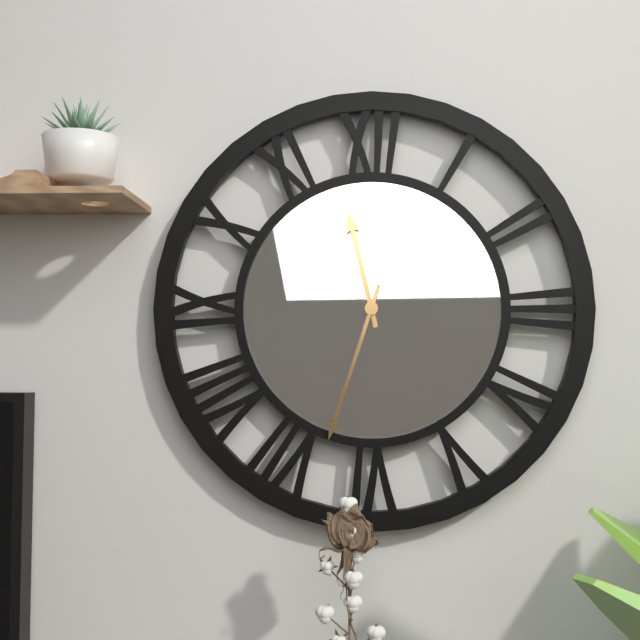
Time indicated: 11h33
